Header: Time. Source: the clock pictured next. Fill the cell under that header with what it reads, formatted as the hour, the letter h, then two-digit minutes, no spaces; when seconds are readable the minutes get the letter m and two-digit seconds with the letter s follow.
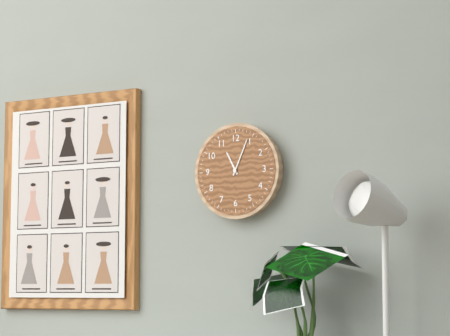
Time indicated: 11h04
